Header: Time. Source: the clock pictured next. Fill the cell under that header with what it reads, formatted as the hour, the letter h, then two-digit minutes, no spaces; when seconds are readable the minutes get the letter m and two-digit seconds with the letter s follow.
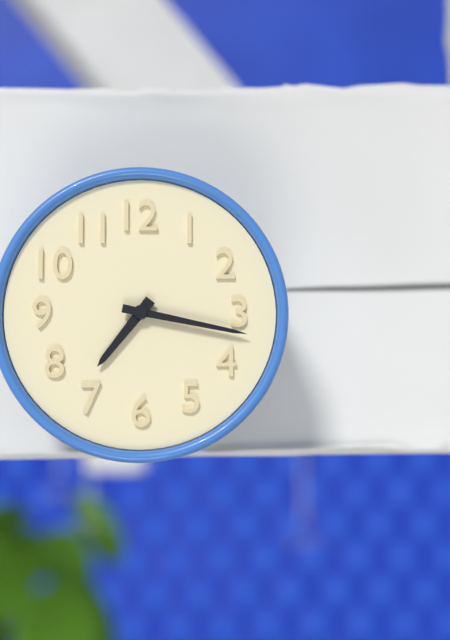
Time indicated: 7h17
